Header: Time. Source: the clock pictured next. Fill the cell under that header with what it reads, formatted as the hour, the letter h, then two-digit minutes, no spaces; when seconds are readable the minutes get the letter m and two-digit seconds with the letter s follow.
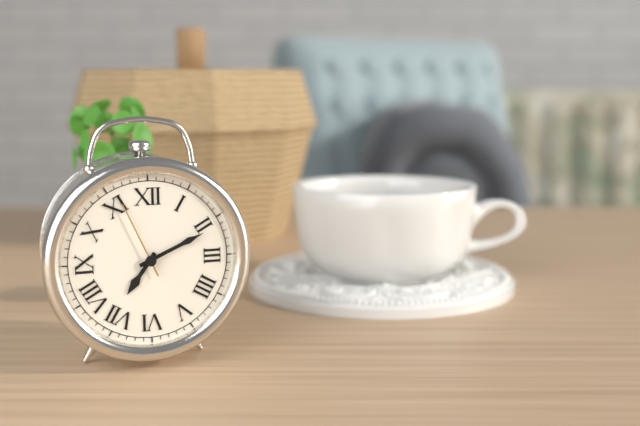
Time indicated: 7h11m56s
